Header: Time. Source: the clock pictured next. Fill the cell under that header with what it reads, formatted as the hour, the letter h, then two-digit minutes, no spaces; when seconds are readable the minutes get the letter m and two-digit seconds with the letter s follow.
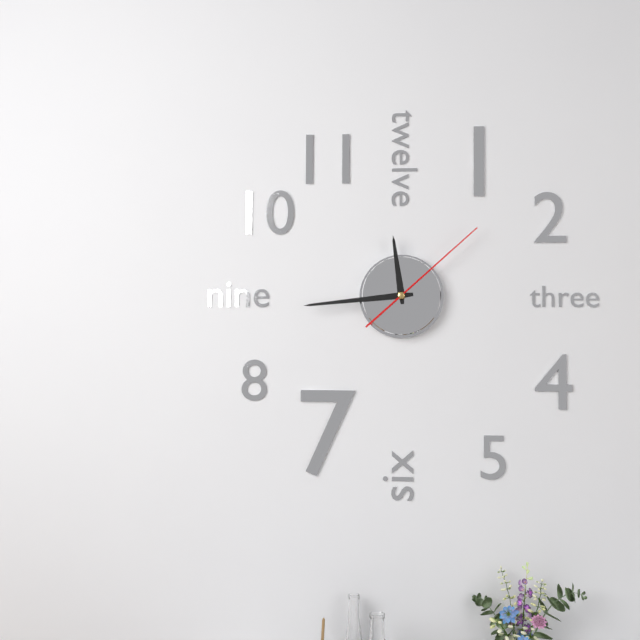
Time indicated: 11h44m08s
